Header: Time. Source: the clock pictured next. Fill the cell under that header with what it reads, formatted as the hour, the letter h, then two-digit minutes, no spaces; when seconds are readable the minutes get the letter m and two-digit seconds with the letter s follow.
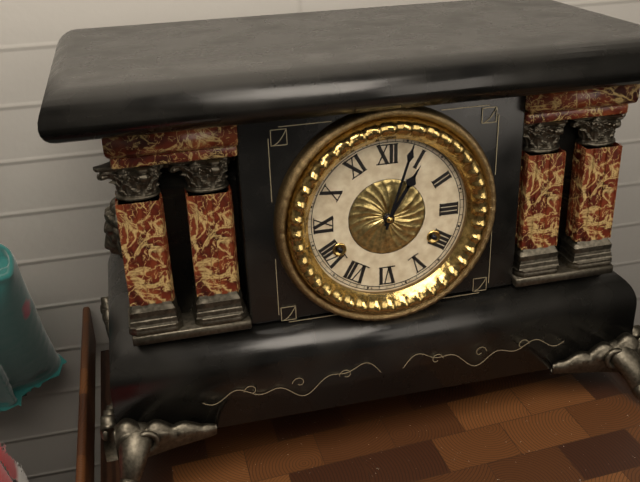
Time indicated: 1h03
